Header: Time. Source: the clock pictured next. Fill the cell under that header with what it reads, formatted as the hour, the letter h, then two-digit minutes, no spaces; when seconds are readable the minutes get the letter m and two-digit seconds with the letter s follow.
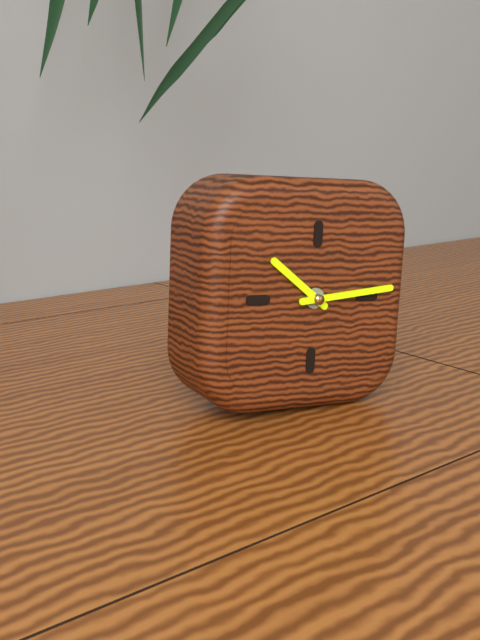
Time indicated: 10h14
